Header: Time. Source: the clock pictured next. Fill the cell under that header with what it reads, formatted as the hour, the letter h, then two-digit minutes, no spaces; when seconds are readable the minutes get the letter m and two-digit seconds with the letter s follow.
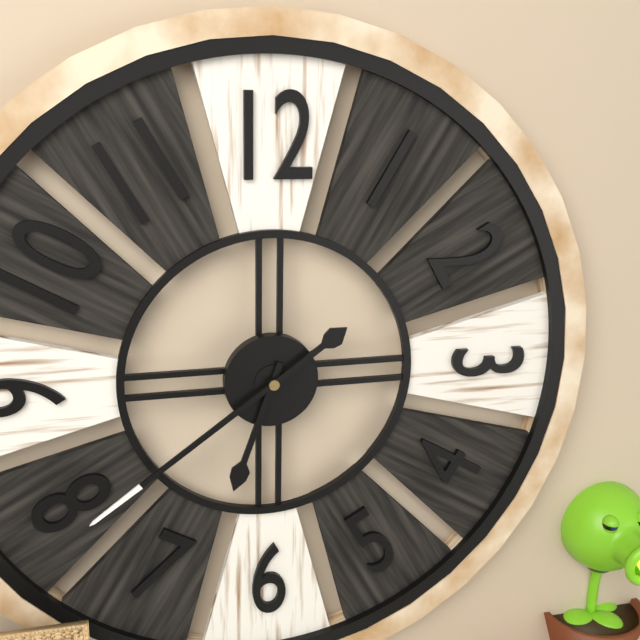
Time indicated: 6h39
